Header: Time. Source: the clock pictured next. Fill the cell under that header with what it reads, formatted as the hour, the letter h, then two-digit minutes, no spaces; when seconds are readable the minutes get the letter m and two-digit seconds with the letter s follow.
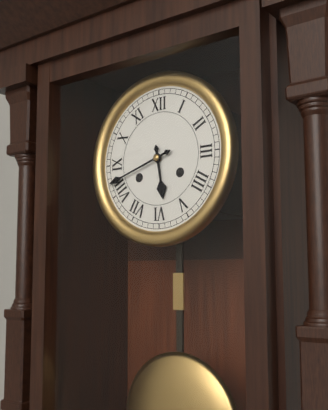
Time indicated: 5h42
